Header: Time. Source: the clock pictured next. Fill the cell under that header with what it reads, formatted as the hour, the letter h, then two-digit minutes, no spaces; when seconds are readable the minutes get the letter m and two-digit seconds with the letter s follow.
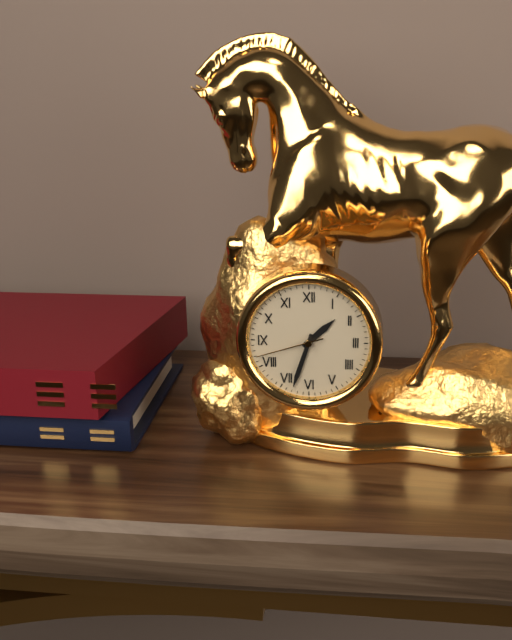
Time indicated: 1h33m42s
